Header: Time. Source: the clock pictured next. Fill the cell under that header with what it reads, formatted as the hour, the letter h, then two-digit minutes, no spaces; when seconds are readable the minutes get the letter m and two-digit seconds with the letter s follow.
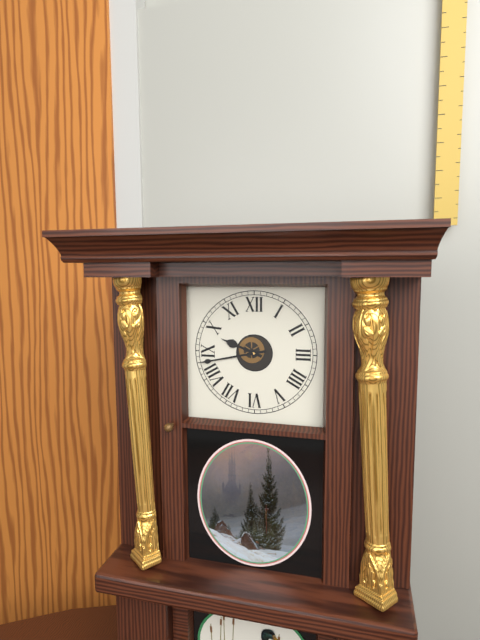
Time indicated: 9h43
